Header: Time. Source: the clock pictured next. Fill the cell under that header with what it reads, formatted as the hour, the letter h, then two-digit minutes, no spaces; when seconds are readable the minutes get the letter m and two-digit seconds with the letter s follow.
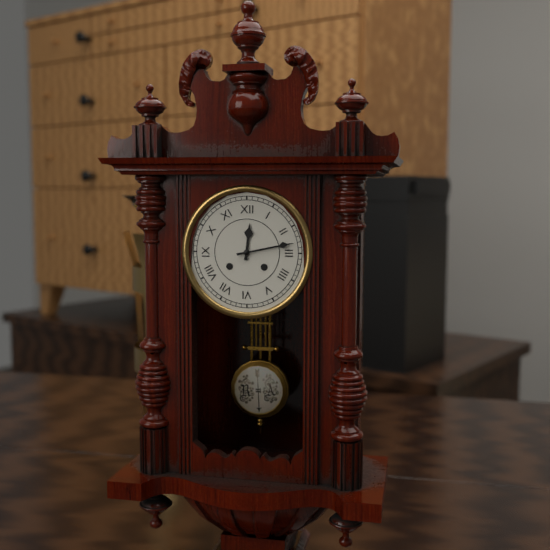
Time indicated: 12h13
